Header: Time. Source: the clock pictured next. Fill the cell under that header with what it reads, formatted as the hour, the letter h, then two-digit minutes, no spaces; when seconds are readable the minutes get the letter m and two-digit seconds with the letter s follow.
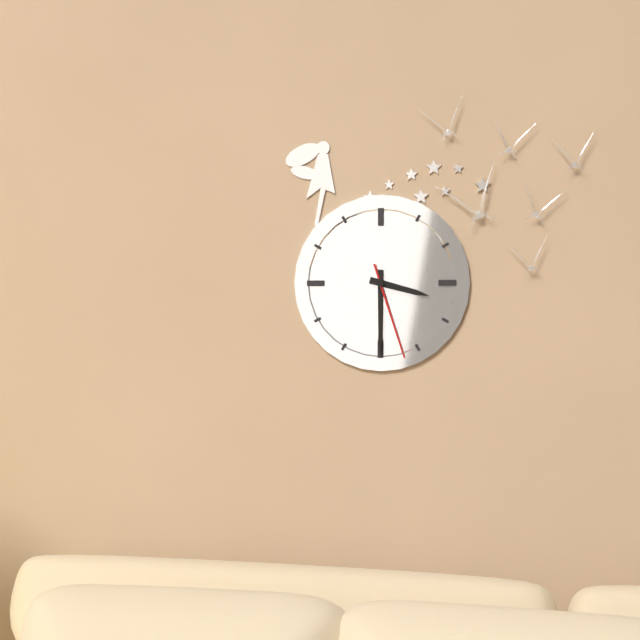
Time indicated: 3h30m27s
